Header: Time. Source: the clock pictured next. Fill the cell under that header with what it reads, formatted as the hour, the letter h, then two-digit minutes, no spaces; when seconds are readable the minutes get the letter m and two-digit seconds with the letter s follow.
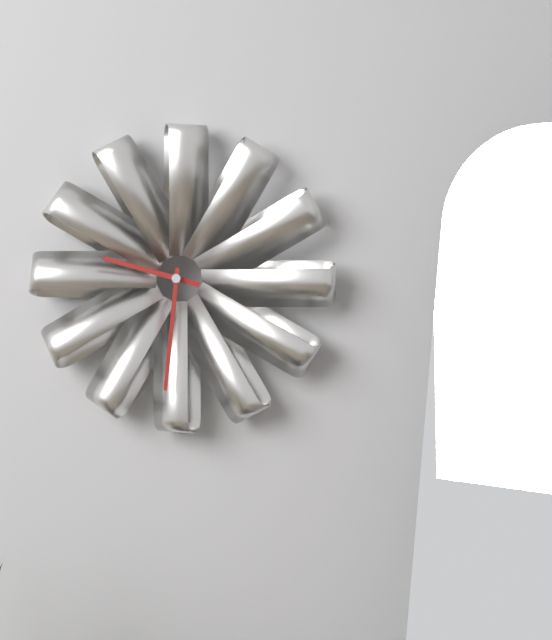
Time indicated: 9h31
